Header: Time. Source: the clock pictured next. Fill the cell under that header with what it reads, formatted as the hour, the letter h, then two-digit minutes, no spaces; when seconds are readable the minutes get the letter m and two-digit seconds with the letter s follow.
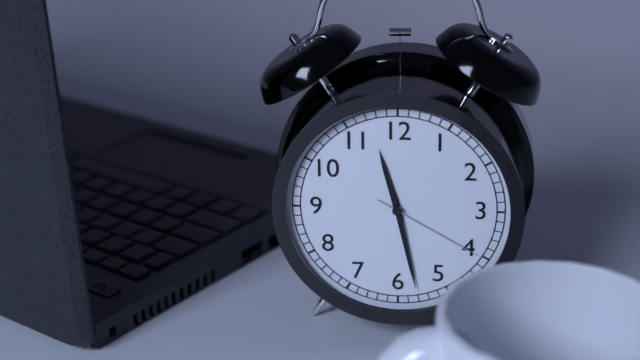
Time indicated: 11h28m20s
